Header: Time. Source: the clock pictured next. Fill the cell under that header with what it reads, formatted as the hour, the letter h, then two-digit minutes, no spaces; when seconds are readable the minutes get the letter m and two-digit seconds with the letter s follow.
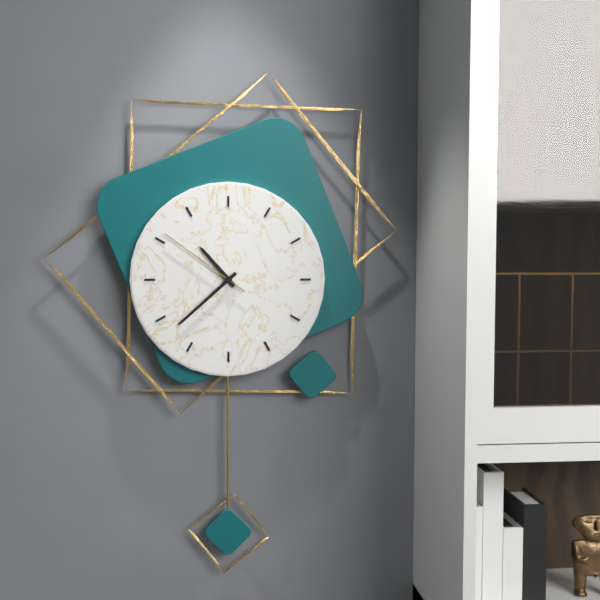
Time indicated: 10h38m51s
